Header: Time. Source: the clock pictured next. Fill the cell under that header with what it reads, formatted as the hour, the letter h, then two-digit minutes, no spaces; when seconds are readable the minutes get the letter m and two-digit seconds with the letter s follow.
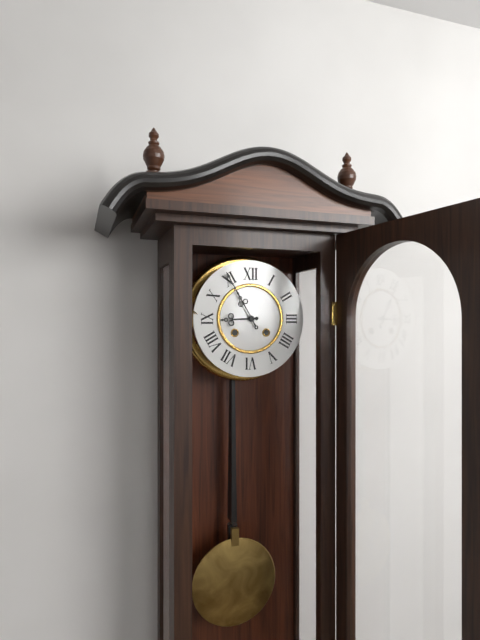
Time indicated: 8h55
